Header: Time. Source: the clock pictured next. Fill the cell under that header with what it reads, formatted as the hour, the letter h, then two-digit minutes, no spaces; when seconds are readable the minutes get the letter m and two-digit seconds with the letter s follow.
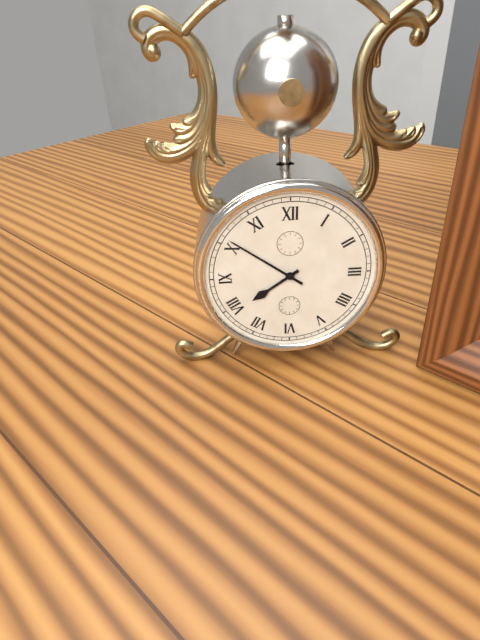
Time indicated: 7h51
